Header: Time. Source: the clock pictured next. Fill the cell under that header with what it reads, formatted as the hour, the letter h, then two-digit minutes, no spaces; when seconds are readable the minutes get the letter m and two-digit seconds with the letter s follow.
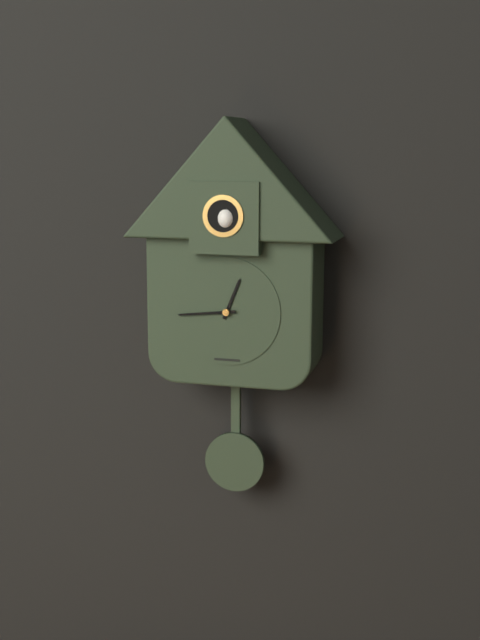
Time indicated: 12h44
